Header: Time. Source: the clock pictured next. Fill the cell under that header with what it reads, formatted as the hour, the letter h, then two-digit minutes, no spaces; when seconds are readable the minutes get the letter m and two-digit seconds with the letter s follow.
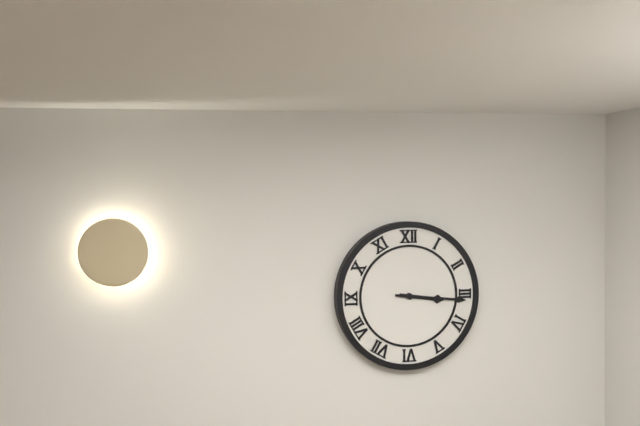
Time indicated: 3h16
